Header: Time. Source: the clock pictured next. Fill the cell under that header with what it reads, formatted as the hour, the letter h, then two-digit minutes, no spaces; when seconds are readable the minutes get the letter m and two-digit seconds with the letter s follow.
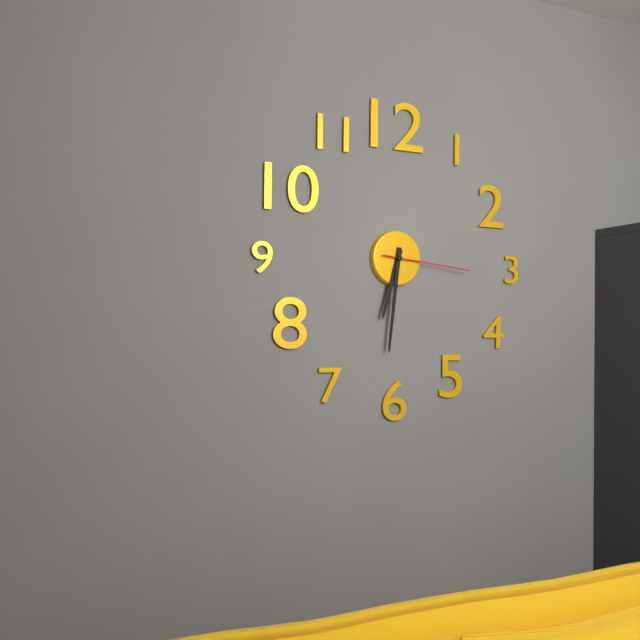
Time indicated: 6h31m16s
